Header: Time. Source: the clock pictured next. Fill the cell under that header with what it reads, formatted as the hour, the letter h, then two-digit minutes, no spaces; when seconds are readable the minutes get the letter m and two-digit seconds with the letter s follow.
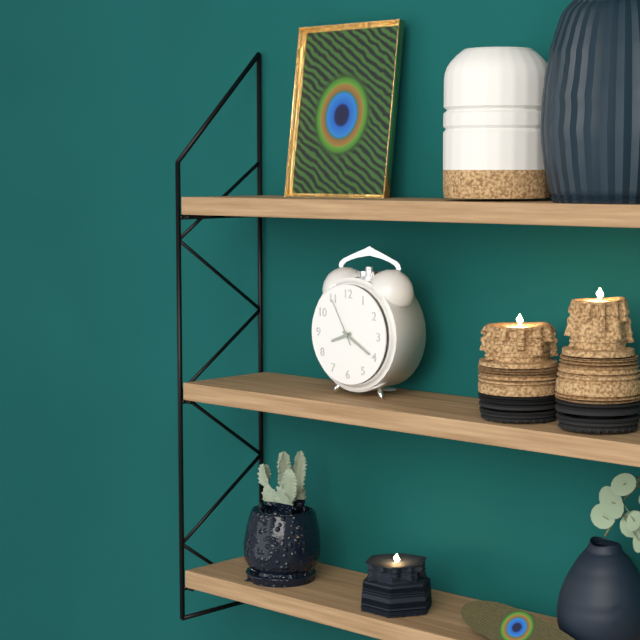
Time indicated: 8h20
